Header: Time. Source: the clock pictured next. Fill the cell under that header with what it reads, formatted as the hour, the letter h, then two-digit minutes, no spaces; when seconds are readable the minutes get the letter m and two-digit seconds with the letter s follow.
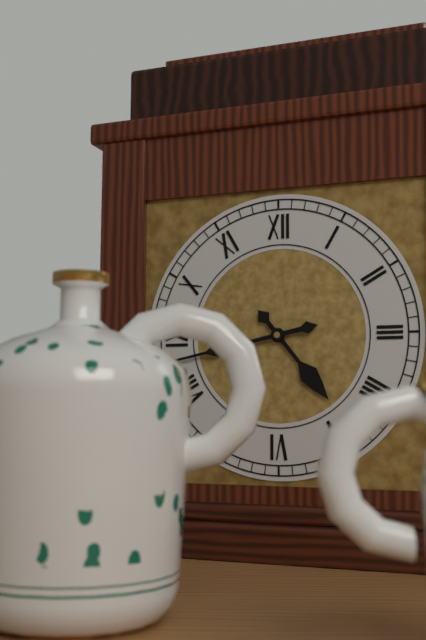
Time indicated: 4h43
